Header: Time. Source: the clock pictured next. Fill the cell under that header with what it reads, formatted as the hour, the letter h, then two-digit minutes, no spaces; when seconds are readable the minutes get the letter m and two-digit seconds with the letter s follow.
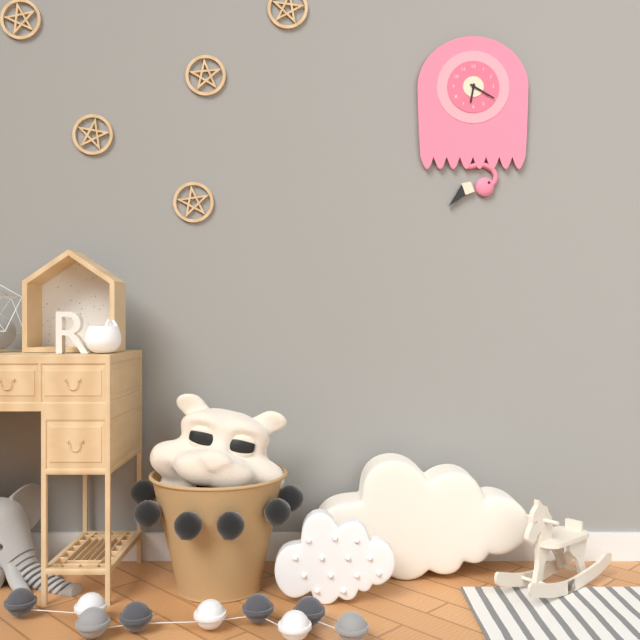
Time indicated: 6h20
